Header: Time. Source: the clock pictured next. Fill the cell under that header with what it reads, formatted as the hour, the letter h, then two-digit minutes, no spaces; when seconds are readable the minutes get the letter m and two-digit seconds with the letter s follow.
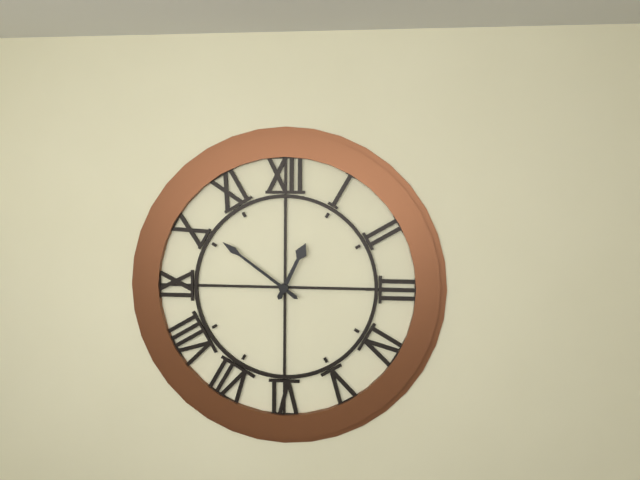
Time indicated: 12h51
